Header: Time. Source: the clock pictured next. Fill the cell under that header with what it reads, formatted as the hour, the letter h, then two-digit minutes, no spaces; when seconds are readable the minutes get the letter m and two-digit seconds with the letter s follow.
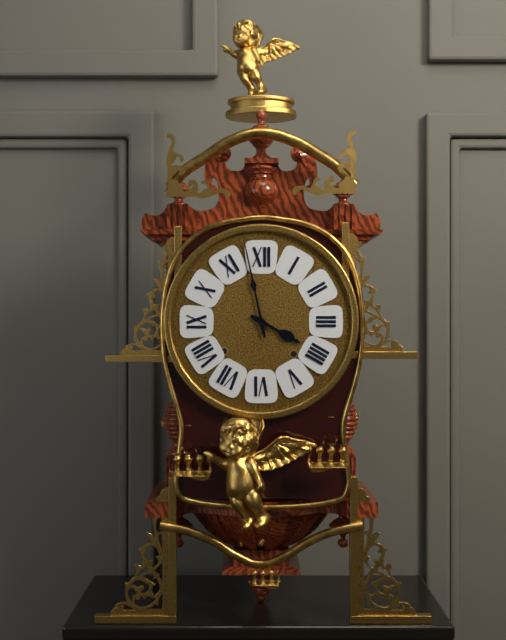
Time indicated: 3h58
